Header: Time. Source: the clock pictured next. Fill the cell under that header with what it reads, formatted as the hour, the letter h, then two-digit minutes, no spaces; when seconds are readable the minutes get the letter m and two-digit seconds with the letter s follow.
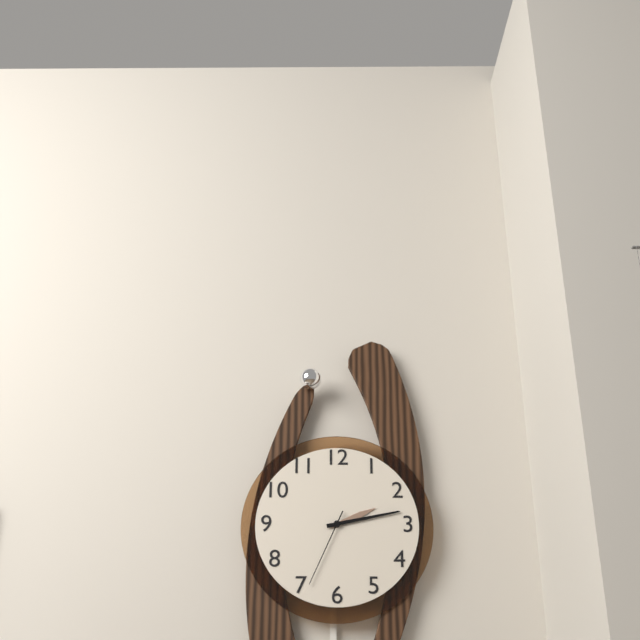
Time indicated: 2h13m34s
